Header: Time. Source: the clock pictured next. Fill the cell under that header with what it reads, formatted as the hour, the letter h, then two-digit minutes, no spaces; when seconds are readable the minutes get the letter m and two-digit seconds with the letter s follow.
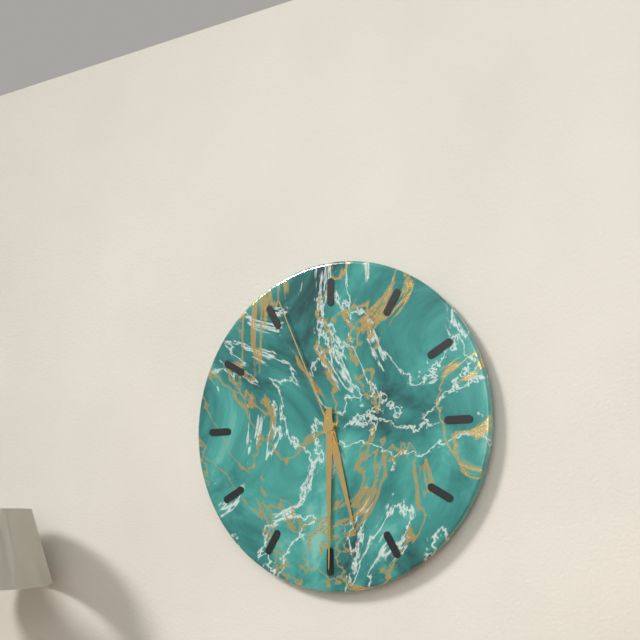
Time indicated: 5h30m56s
